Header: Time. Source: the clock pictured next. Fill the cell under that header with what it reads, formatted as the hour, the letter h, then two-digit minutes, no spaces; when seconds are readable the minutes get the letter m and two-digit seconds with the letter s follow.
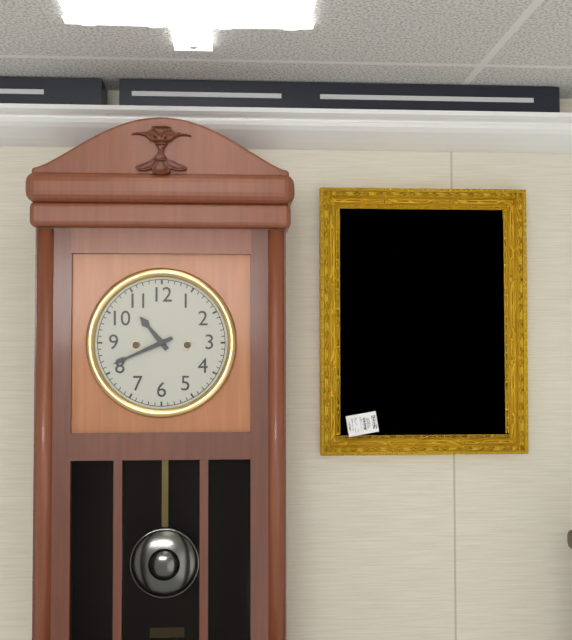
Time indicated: 10h41
